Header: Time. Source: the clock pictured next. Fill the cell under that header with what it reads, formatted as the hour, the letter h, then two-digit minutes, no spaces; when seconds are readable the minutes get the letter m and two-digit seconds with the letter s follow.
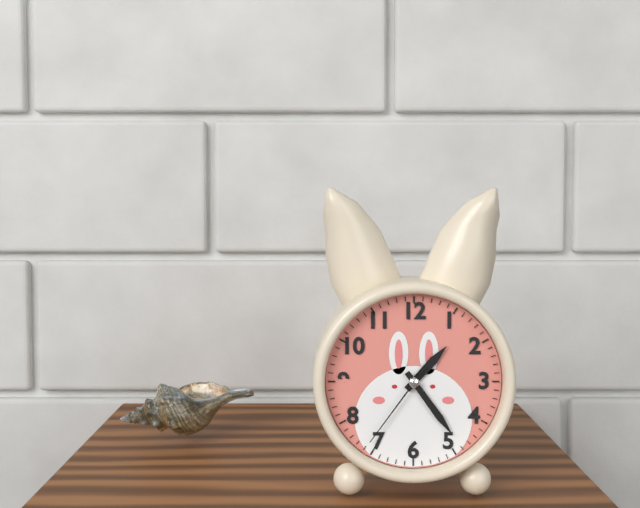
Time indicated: 1h24m36s
